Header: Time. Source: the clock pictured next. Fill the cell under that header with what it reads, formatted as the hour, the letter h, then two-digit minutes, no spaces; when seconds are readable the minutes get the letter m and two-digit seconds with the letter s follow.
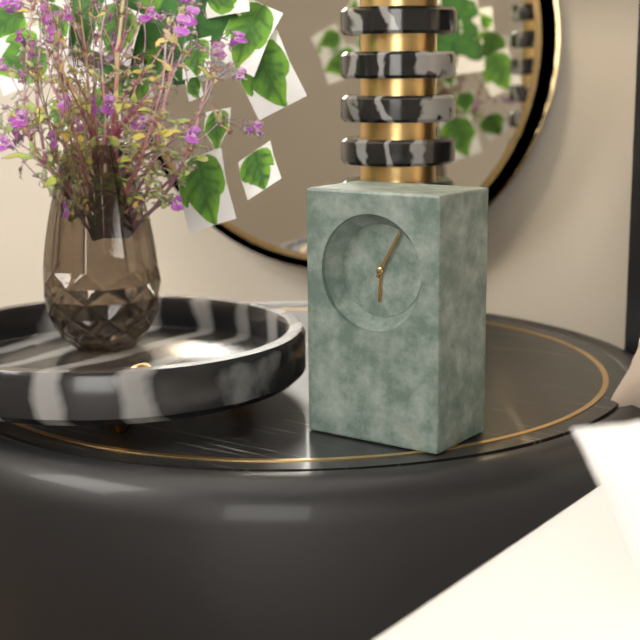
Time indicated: 6h05
